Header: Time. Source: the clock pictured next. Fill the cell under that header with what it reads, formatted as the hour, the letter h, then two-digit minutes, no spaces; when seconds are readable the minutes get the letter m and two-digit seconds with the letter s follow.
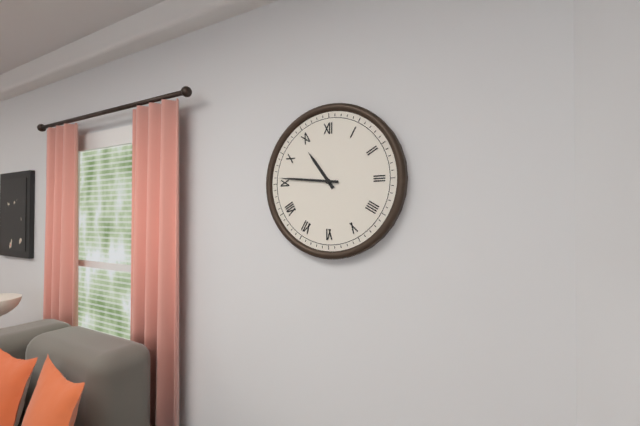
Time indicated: 10h46
